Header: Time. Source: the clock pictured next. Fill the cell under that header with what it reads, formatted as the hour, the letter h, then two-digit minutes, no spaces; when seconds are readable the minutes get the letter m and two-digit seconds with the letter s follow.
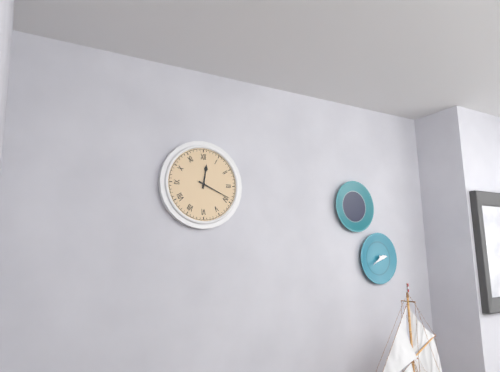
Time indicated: 12h19
